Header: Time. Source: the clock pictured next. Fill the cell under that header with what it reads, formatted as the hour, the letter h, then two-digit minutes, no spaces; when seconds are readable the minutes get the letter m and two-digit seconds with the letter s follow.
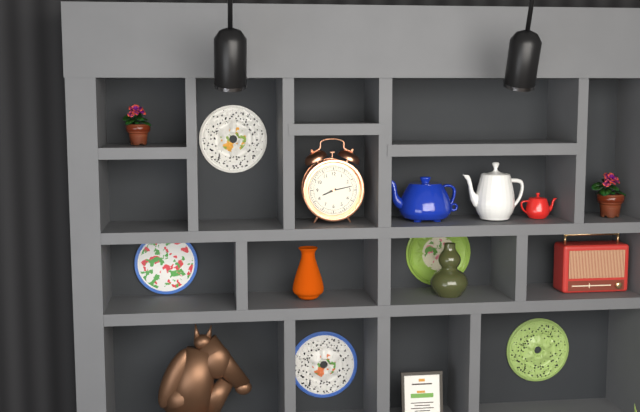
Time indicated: 8h13
